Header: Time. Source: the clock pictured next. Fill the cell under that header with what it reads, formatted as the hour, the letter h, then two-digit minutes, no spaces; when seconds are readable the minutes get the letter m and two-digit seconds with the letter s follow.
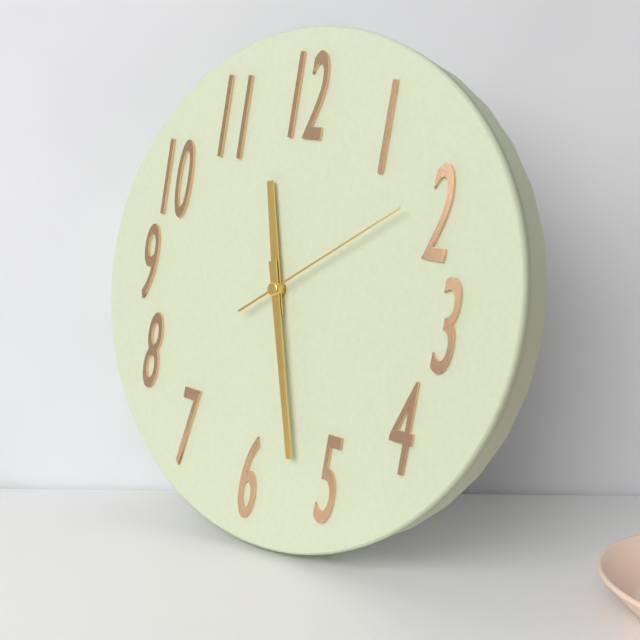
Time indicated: 11h27m09s
